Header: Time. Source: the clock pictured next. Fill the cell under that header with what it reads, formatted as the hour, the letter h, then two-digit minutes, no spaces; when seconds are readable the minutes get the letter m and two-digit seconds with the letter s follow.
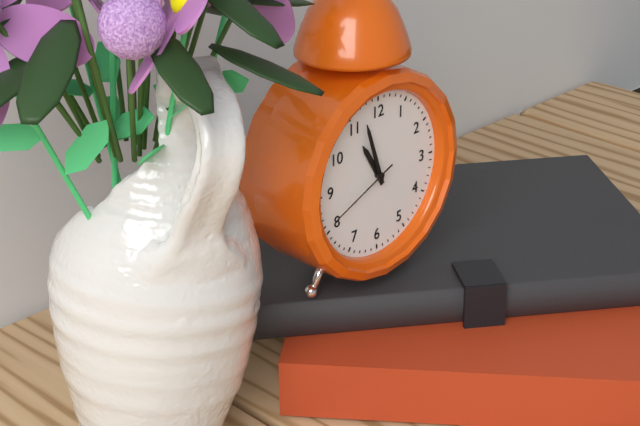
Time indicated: 10h57m41s
